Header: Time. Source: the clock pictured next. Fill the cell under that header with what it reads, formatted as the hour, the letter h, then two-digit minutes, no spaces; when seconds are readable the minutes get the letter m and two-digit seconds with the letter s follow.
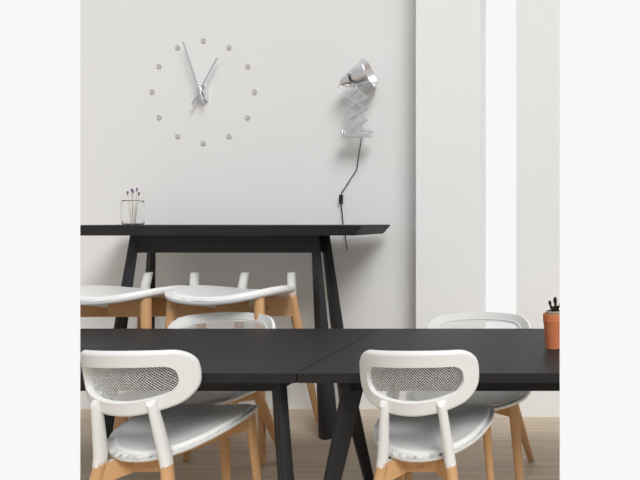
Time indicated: 12h57
